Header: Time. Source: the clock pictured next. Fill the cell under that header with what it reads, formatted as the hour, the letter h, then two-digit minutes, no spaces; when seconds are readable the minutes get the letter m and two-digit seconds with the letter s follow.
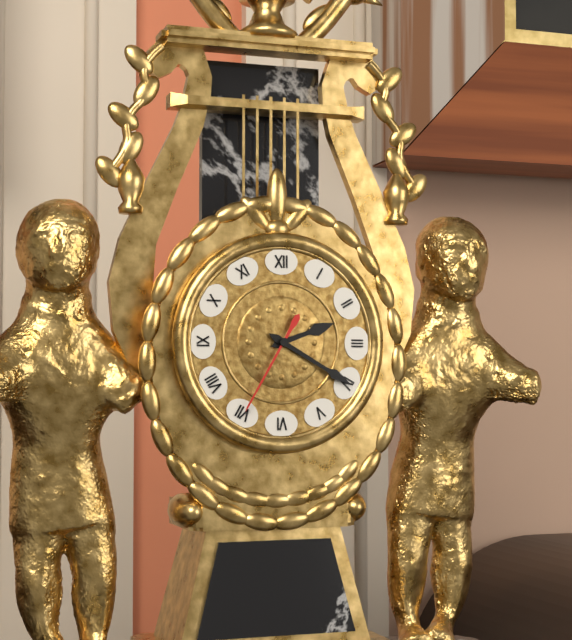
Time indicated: 2h20m35s
